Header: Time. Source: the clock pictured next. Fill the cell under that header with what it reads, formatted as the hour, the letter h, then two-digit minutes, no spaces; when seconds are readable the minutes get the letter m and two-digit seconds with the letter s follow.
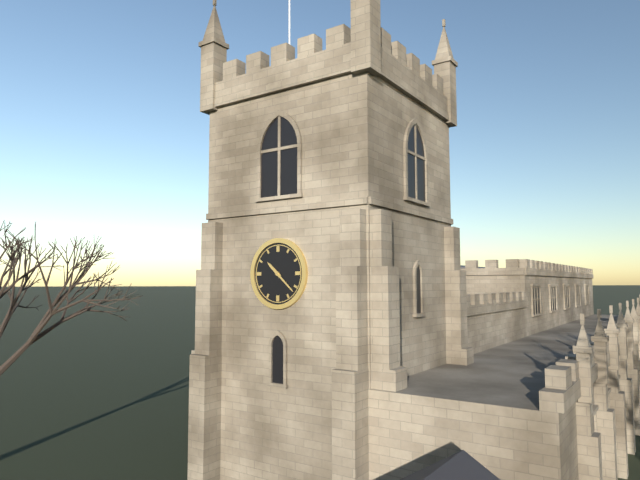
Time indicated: 10h22
